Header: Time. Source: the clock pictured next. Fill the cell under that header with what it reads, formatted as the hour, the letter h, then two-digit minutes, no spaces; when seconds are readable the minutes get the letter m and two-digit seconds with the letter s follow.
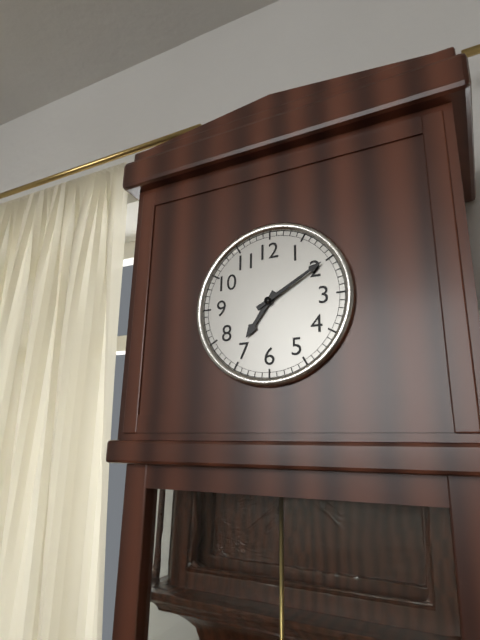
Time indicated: 7h10
